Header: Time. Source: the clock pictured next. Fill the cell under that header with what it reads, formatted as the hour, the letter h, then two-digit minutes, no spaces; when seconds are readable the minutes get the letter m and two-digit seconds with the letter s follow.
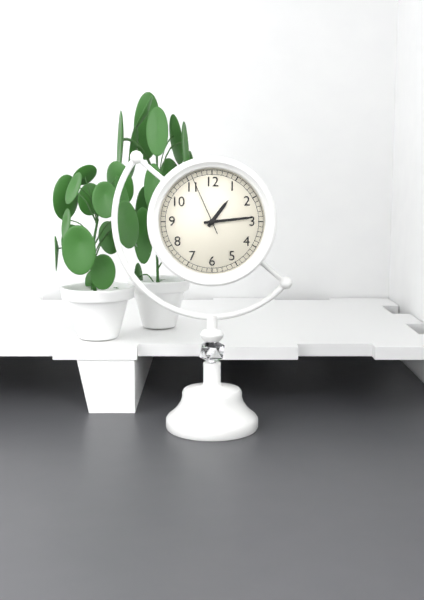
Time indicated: 1h14m56s
